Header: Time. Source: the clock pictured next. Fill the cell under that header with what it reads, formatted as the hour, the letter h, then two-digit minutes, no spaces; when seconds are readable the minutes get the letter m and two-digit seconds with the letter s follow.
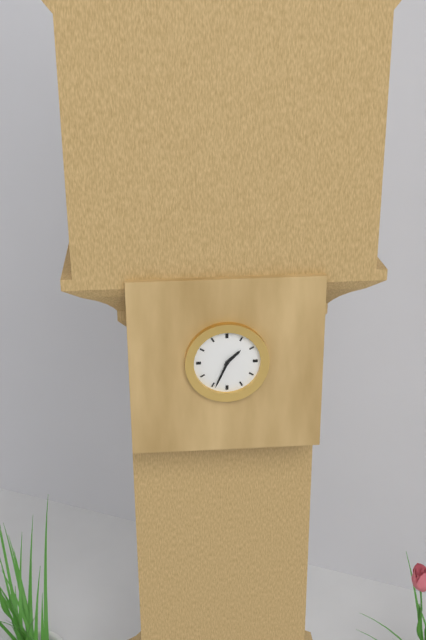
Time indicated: 1h34
